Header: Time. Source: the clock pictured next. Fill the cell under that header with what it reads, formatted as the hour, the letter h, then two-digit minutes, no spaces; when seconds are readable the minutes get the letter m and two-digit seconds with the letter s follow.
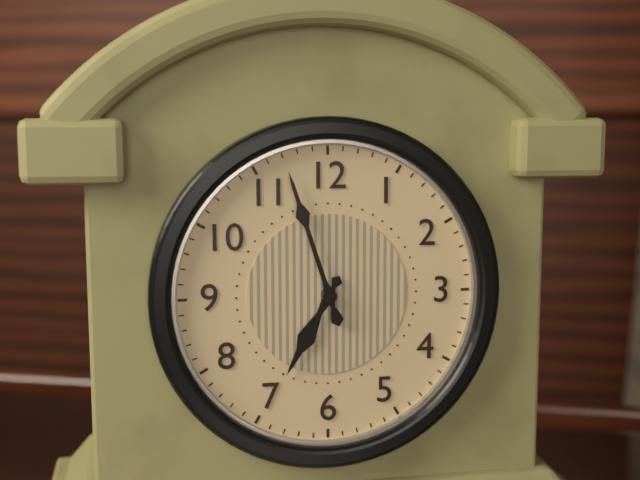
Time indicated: 6h57
